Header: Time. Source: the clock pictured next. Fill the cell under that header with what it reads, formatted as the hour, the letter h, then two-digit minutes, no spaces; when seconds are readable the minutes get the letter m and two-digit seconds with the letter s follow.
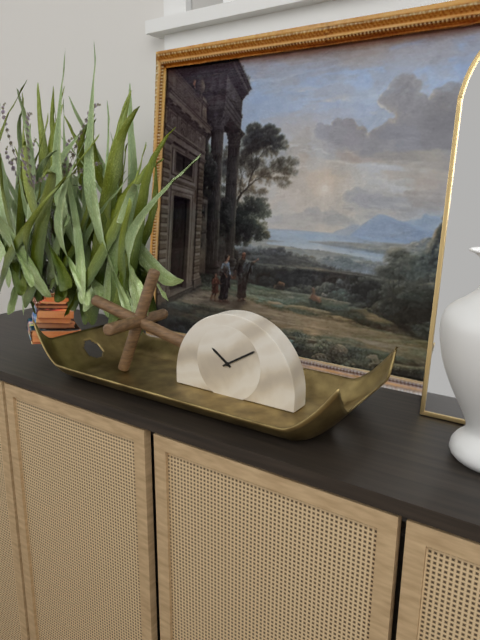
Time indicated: 10h10
